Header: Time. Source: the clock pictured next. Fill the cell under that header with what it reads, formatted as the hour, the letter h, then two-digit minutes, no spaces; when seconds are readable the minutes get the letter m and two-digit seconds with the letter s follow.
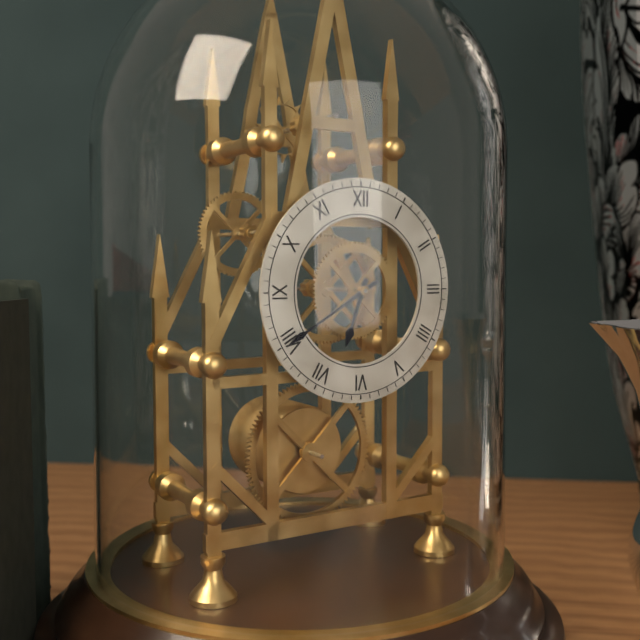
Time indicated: 6h40
